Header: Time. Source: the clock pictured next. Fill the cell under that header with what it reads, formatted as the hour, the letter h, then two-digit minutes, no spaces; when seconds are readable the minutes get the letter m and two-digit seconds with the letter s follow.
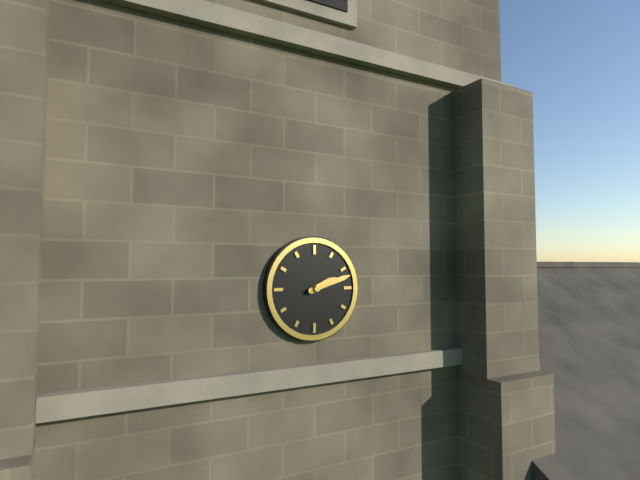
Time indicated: 2h12
